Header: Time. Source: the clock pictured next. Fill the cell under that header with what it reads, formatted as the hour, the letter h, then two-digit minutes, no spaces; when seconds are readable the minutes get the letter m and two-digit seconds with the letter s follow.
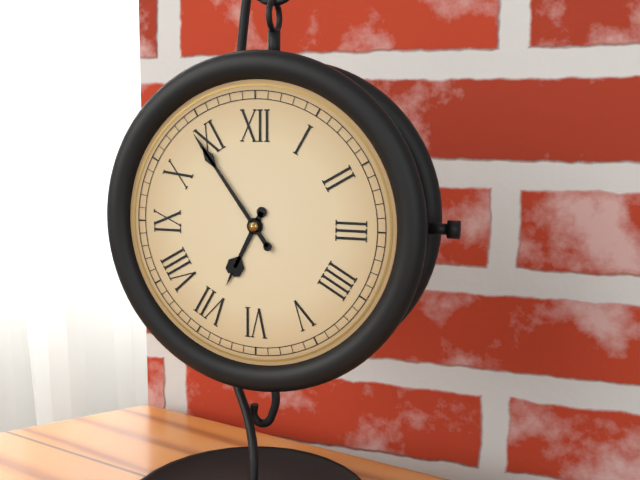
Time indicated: 6h54
